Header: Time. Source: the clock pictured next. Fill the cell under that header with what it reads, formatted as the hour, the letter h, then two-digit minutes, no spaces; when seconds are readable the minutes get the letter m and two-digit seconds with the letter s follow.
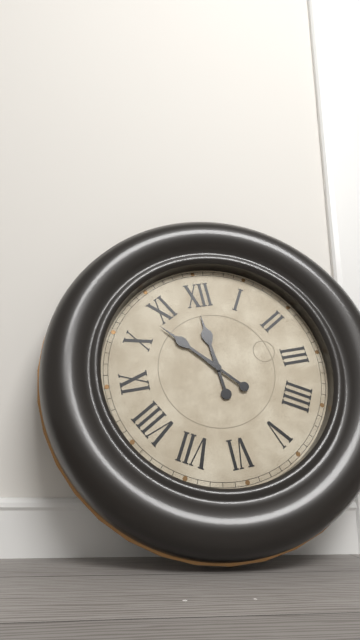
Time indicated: 11h53
